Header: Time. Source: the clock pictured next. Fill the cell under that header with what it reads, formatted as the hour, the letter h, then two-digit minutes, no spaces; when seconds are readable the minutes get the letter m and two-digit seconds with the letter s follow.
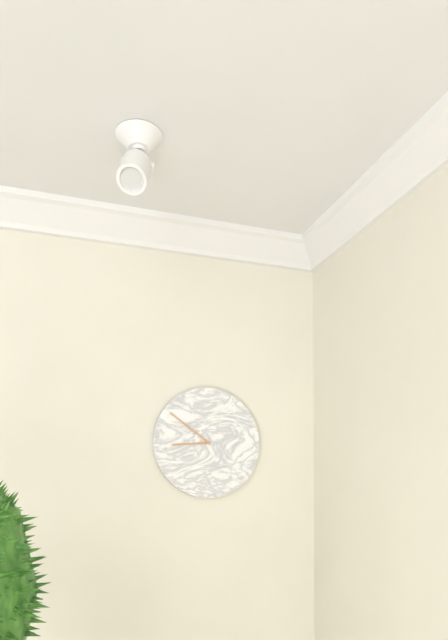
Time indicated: 8h51
